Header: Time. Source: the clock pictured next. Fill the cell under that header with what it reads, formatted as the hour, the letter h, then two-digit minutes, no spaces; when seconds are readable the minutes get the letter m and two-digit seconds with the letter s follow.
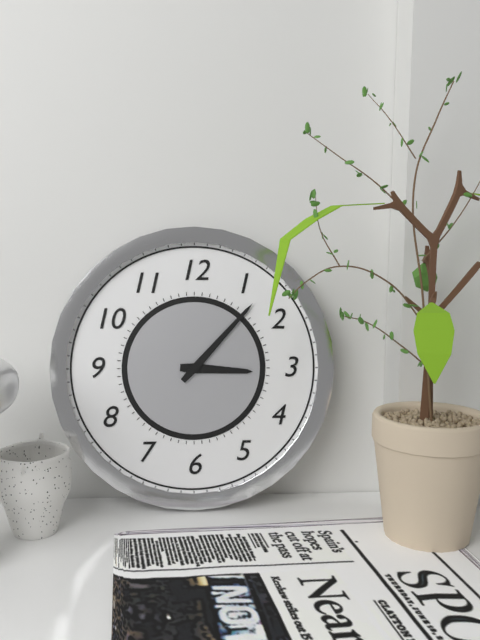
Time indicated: 3h07
